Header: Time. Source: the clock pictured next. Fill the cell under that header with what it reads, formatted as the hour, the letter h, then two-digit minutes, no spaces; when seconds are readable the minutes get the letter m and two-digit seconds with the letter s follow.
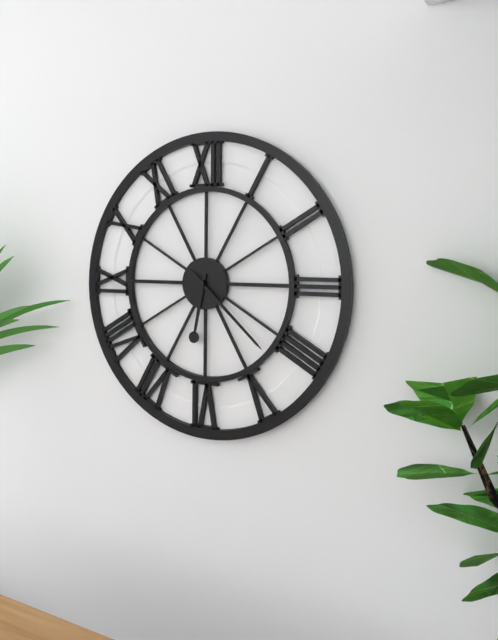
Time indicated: 6h22
